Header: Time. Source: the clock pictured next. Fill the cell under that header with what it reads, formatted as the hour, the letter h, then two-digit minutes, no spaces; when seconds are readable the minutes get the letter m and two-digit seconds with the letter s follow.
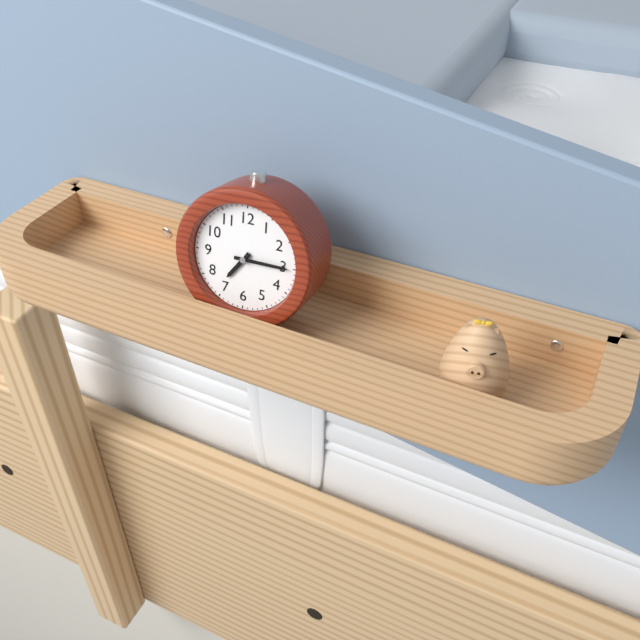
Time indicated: 7h15
